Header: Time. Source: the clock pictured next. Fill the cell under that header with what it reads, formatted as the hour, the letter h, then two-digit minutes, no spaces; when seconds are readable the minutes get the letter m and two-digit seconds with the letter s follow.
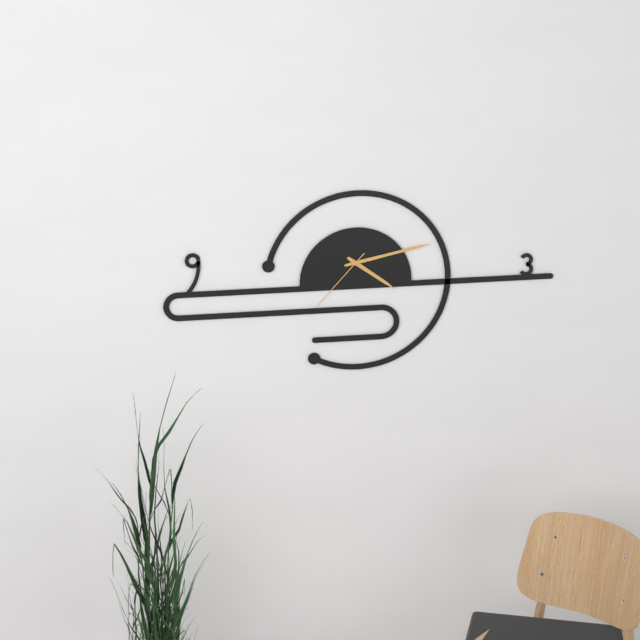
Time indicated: 4h13m37s
